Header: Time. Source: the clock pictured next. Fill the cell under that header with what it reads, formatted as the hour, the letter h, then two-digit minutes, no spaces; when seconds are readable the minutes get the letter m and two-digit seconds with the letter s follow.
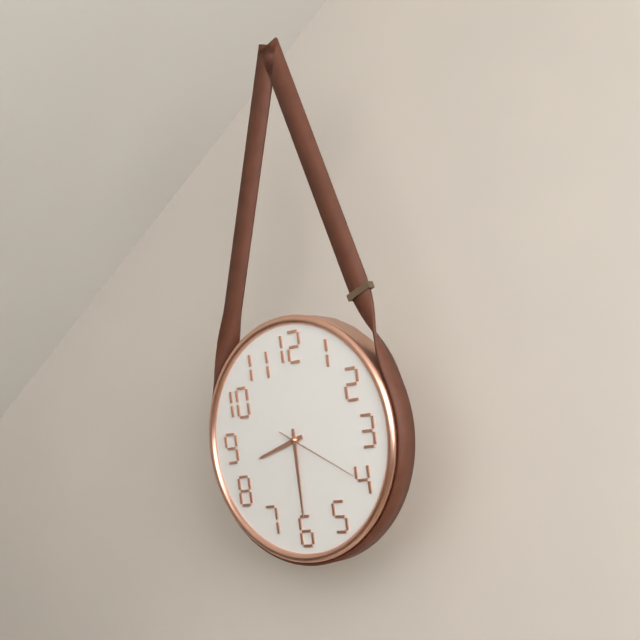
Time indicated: 8h30m20s
